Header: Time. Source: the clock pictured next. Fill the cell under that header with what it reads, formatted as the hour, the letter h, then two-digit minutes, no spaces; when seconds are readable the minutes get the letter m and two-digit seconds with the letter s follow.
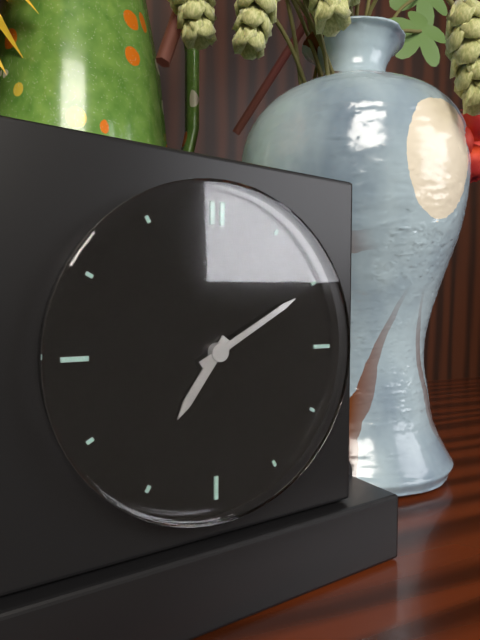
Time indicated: 7h10
